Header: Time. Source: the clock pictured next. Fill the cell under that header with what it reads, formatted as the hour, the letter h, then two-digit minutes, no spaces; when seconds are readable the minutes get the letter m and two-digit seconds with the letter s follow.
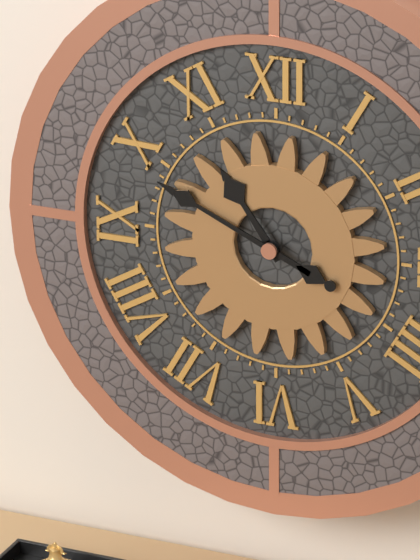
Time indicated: 10h49
